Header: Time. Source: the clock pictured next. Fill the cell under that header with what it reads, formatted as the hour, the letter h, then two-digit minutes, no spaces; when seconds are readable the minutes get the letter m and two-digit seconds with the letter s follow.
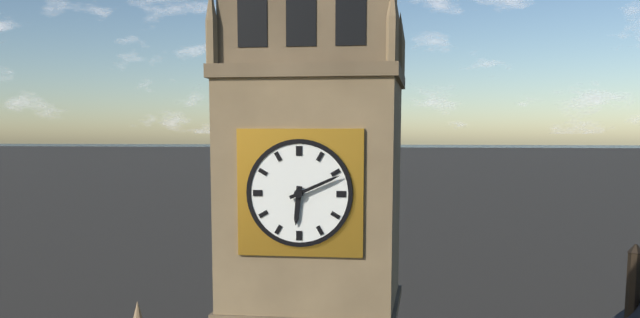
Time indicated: 6h11
